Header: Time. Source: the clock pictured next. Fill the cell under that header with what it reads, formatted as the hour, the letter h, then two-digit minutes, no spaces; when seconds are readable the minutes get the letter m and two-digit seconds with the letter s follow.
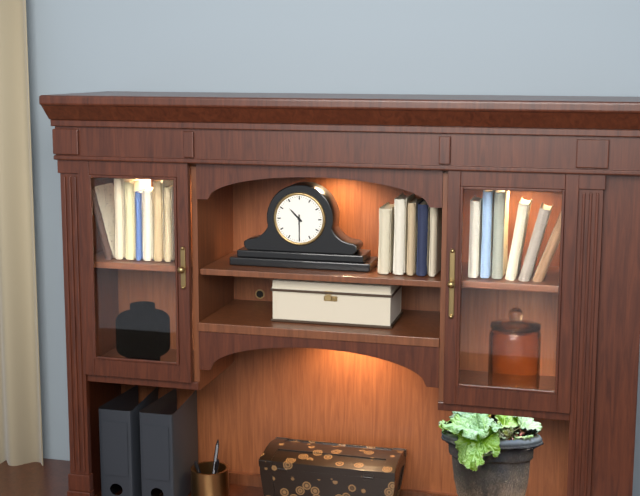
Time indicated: 10h30
